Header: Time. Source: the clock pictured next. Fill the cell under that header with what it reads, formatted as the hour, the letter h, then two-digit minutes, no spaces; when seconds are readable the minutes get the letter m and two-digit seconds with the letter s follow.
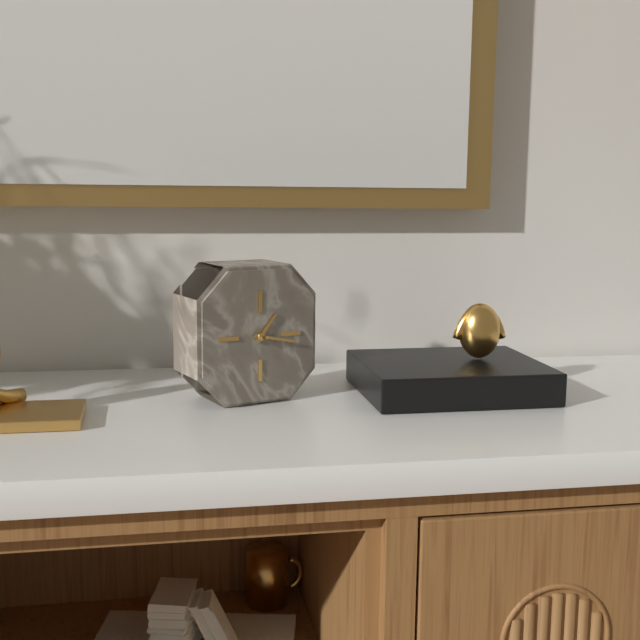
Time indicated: 1h17
